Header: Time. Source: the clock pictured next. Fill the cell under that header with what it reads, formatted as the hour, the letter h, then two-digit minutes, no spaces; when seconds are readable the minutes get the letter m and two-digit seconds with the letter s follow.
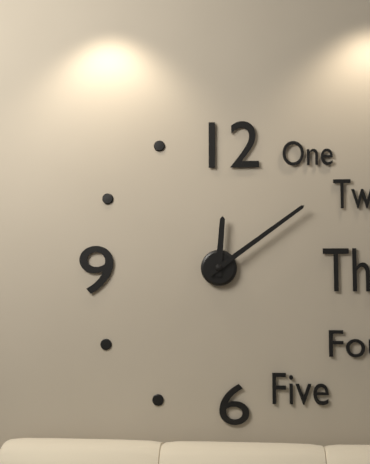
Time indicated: 12h09
